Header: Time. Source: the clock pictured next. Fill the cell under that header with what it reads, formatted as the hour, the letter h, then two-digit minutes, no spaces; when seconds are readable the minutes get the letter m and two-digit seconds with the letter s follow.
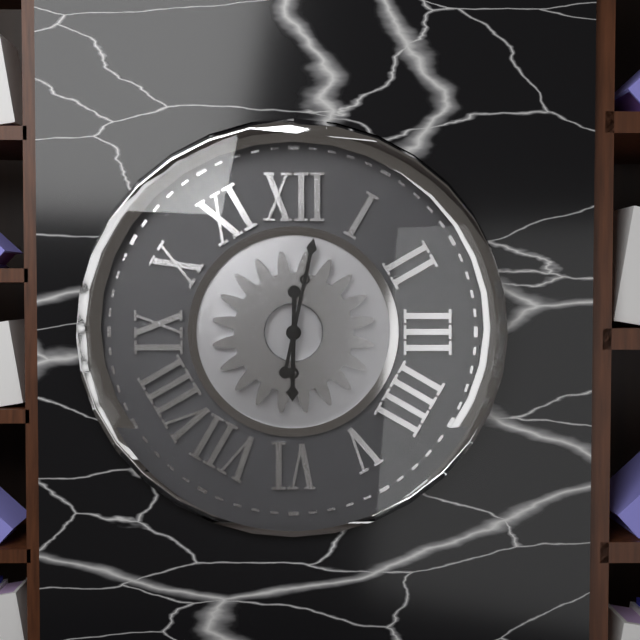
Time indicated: 6h02
